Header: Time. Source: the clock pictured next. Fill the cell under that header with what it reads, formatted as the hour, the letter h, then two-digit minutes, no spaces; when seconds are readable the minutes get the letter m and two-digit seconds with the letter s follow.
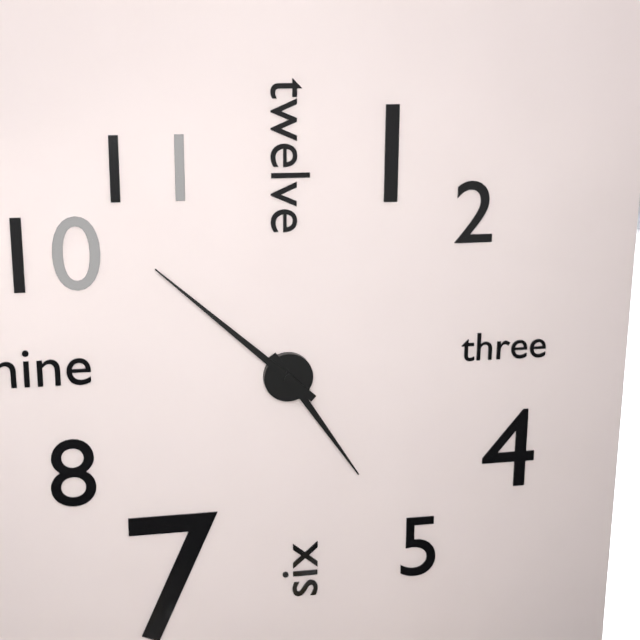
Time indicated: 4h52
